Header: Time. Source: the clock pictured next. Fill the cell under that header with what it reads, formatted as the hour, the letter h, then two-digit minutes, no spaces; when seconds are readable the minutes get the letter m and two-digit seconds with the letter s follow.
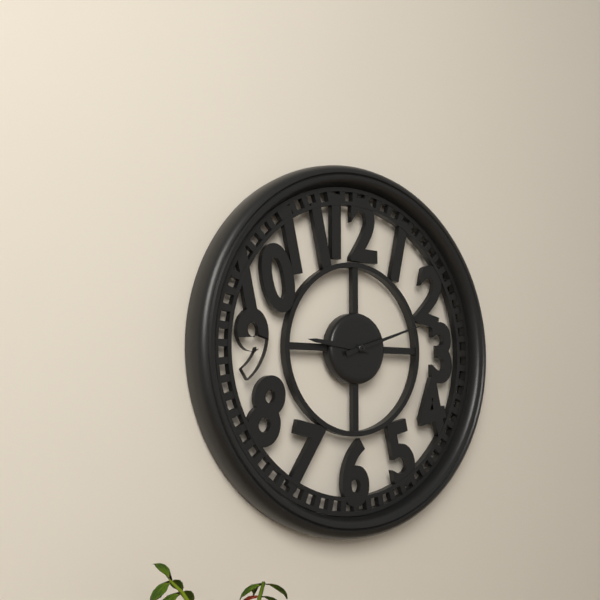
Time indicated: 9h12
